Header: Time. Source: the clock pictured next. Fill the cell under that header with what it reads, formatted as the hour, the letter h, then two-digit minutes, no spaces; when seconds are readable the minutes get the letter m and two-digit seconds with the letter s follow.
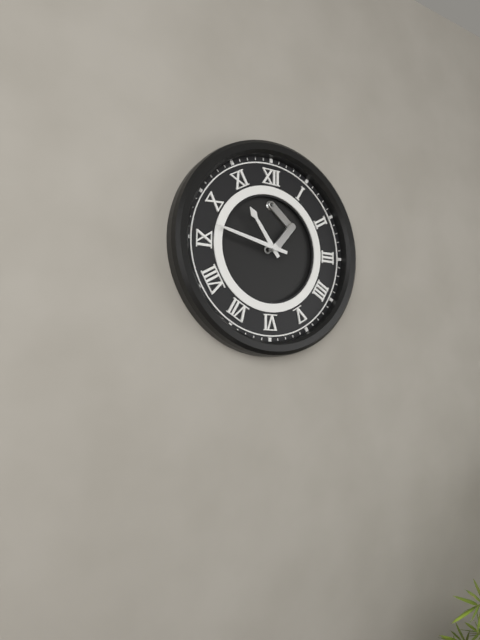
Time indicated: 10h47
